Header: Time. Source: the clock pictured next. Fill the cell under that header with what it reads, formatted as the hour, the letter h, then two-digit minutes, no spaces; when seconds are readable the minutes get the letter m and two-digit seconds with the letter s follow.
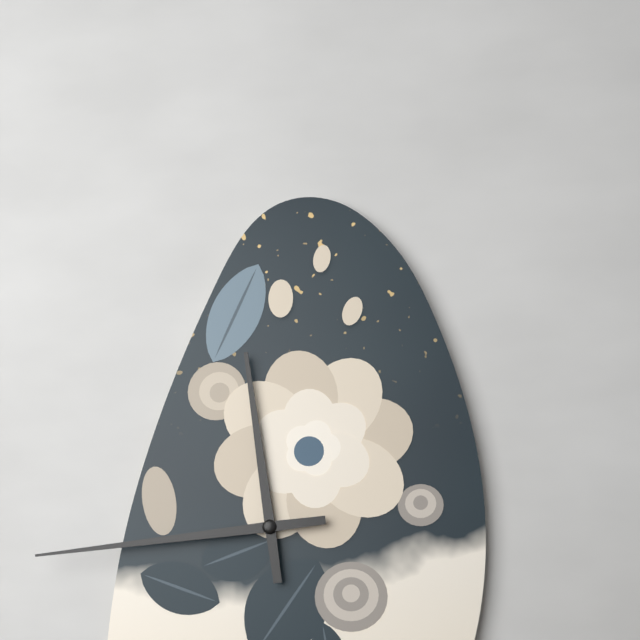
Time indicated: 11h44
